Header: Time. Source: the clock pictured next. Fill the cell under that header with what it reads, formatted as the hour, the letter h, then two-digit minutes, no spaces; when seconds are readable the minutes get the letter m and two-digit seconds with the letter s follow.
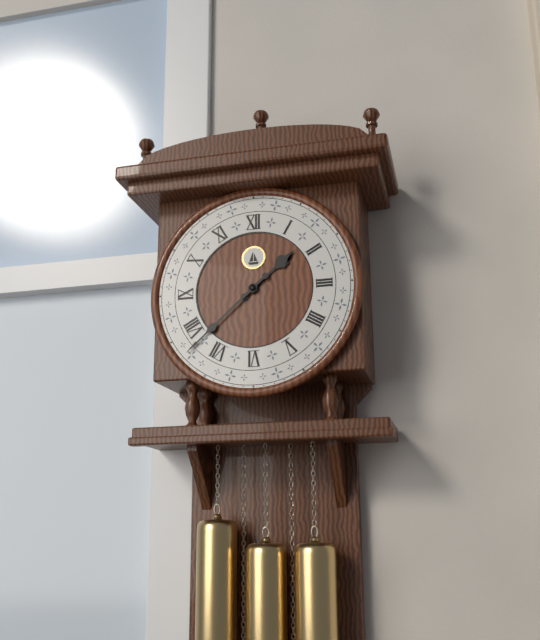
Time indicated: 1h38
